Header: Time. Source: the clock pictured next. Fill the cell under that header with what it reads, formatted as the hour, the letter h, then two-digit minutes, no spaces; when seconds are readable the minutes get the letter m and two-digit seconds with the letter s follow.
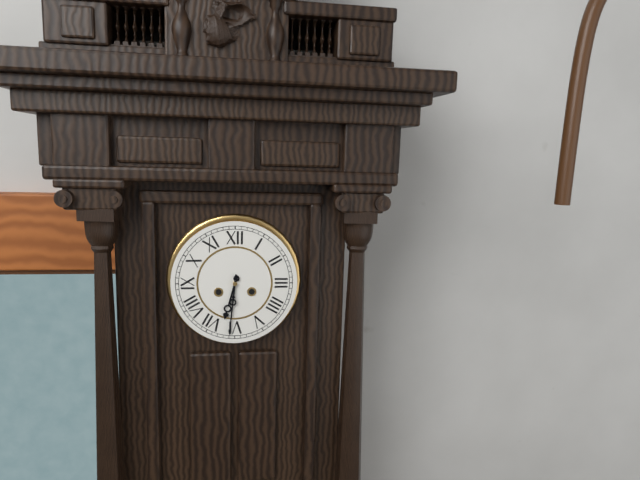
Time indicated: 6h31
